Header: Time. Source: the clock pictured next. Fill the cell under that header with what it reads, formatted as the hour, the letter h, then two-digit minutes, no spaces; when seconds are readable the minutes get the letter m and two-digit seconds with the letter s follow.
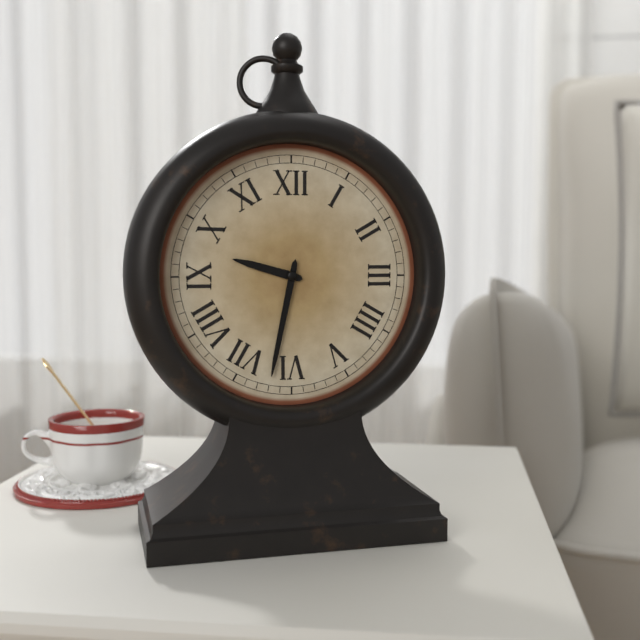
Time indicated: 9h32
